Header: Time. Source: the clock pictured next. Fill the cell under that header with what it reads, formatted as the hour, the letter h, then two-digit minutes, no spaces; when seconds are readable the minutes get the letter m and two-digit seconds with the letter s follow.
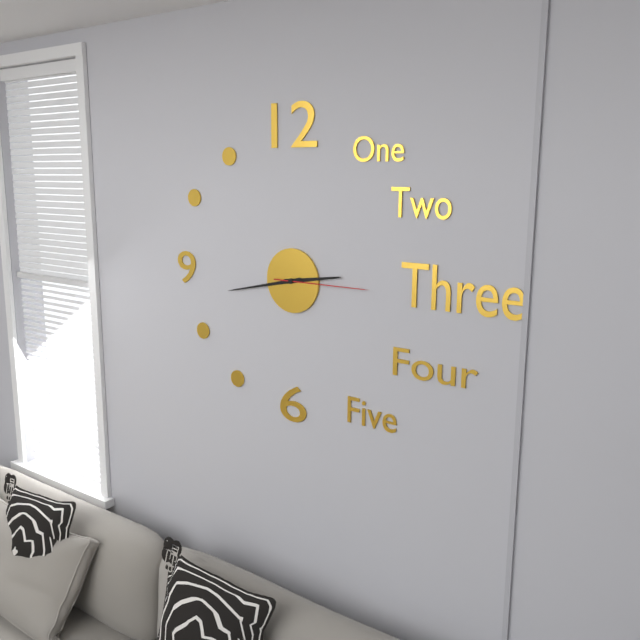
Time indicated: 2h43m15s
